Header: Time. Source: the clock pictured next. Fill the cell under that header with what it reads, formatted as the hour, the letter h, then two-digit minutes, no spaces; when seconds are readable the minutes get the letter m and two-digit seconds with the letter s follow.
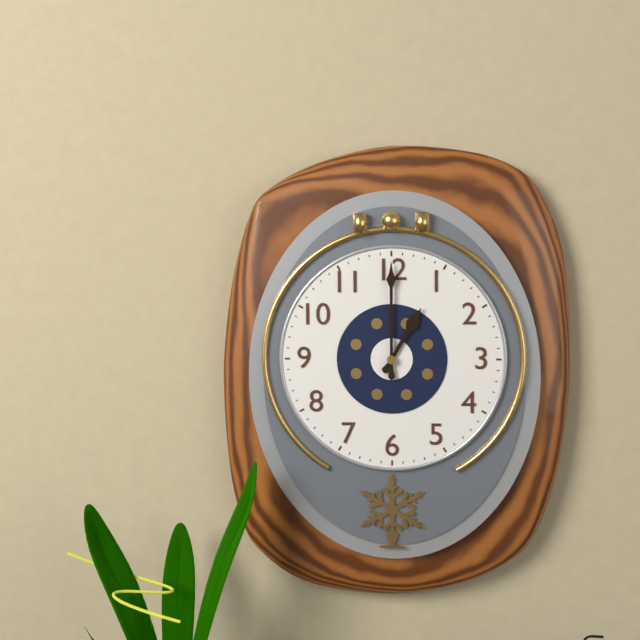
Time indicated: 1h00
